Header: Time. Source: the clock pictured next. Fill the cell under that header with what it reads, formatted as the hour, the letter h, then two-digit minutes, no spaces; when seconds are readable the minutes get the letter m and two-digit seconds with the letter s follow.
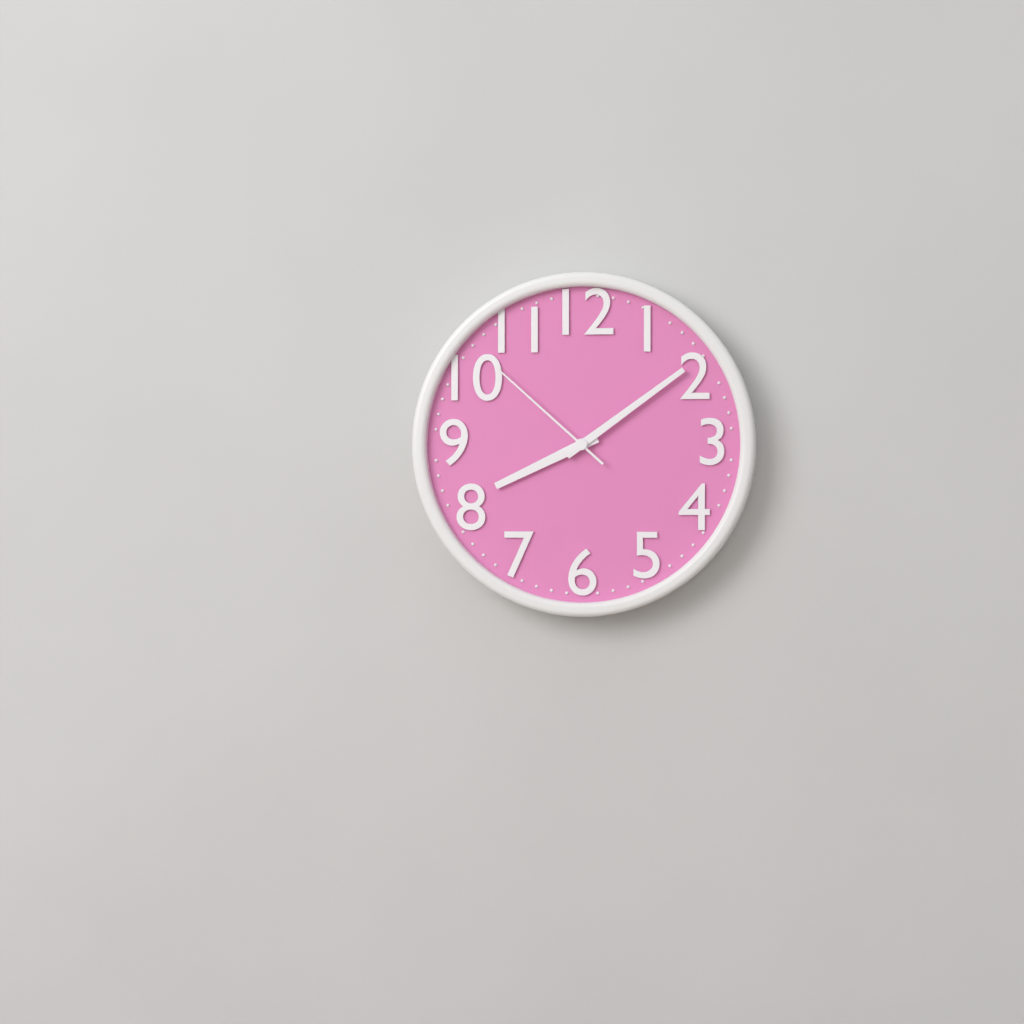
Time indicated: 8h09m52s
